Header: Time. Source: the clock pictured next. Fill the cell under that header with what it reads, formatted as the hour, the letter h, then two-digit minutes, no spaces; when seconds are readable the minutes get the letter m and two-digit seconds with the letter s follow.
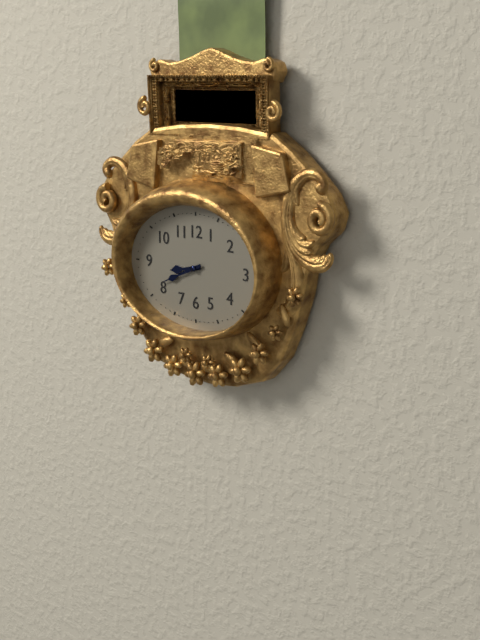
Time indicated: 8h41
